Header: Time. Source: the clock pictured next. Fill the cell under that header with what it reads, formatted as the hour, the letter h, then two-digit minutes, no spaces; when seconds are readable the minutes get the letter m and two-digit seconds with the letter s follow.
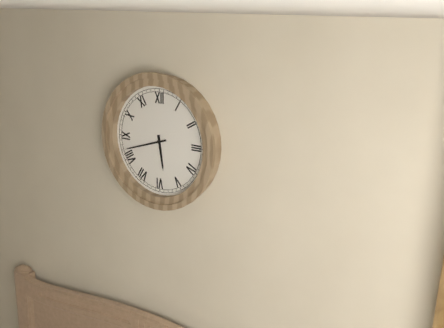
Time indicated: 5h42
